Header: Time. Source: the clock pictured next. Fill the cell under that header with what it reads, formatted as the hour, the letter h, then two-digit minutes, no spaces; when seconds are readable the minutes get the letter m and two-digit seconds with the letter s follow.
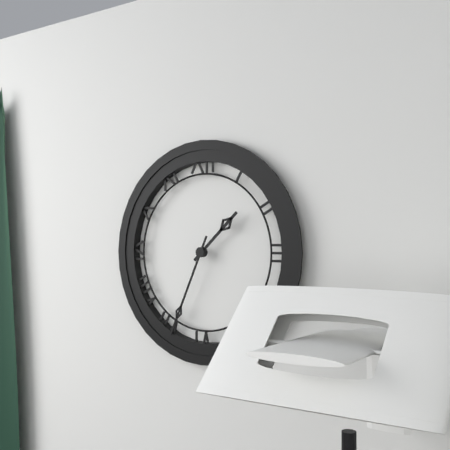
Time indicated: 1h34
